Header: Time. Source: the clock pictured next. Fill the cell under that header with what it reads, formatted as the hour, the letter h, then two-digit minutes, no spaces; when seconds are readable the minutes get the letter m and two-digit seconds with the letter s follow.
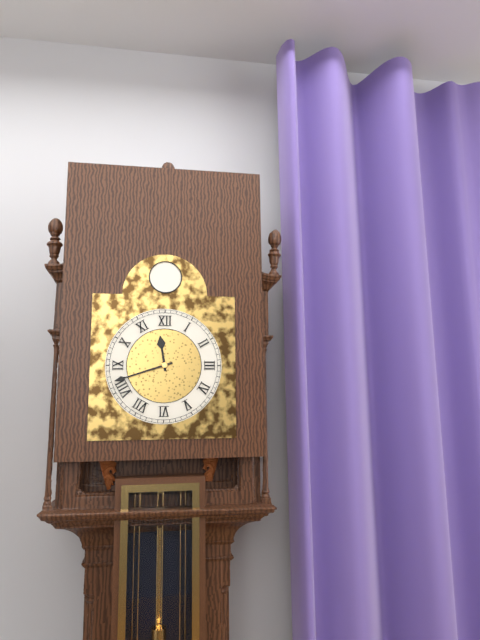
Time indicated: 11h42
